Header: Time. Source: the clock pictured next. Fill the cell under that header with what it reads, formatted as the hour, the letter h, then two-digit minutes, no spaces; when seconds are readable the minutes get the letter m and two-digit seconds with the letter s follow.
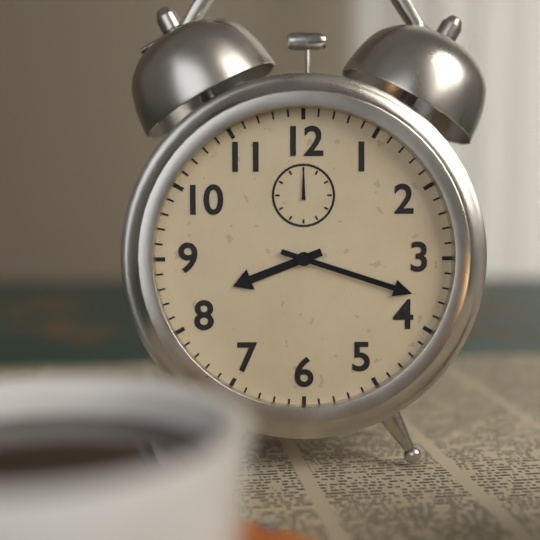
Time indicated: 8h18
